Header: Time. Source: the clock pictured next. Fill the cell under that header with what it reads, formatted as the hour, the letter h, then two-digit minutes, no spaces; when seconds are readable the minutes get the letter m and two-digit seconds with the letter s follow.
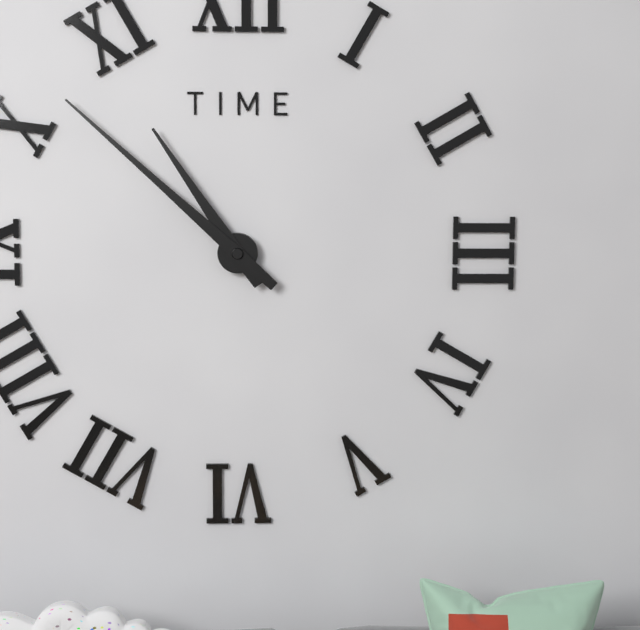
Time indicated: 10h52
